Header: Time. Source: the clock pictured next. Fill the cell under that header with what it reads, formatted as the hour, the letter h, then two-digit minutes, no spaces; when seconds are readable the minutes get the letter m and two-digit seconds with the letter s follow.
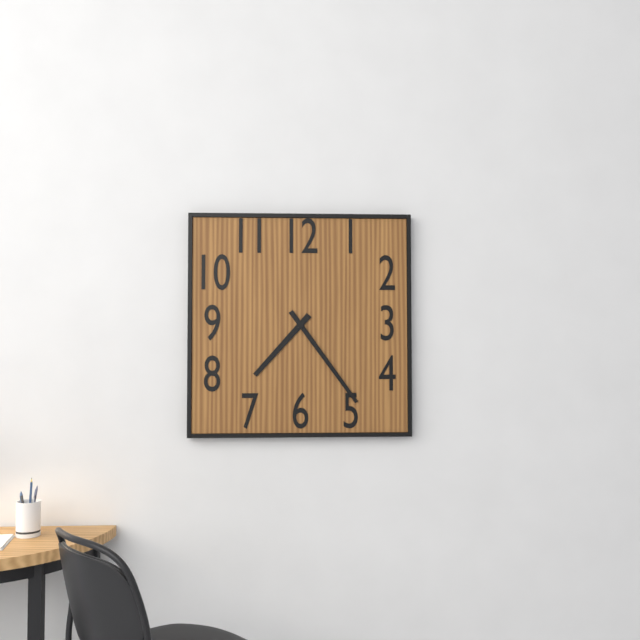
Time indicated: 7h24
